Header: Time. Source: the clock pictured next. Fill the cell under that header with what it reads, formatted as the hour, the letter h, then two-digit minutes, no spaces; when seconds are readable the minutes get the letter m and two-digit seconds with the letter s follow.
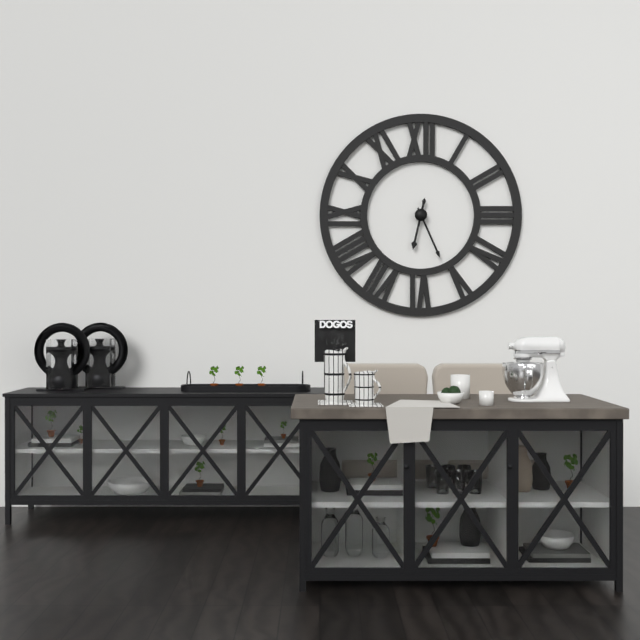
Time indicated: 6h26
